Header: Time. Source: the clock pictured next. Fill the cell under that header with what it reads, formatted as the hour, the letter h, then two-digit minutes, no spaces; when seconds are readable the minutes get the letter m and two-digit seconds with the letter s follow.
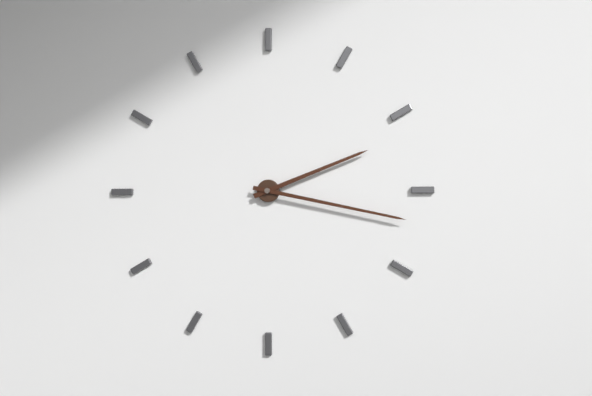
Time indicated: 2h17
